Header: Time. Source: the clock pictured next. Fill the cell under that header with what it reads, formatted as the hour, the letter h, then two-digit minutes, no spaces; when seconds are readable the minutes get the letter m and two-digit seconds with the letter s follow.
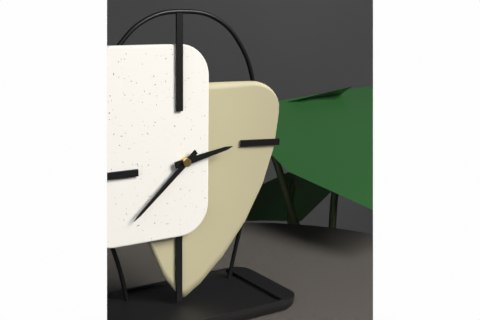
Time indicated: 2h38
